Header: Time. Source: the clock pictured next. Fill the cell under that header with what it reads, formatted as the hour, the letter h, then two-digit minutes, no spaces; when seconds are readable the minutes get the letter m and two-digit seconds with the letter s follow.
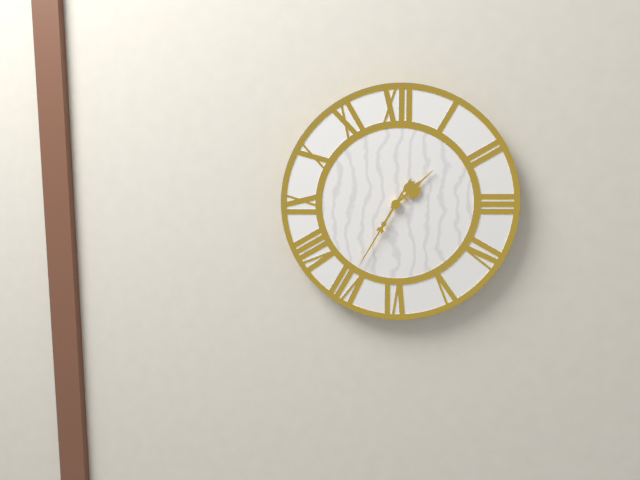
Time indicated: 1h35
